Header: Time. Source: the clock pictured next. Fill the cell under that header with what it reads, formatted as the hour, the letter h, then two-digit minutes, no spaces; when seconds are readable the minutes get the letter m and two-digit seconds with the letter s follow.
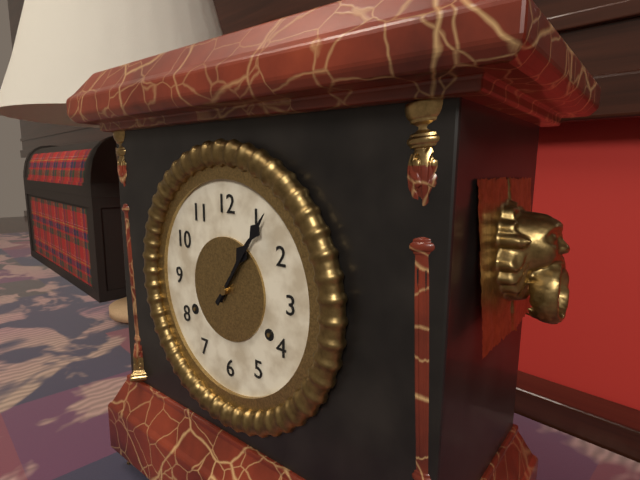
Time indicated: 1h06
